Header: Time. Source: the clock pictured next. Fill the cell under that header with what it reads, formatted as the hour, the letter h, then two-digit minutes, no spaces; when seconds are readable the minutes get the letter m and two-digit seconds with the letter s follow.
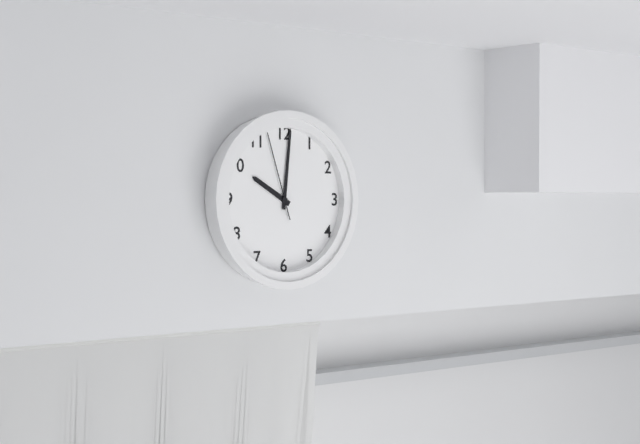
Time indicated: 10h01m57s
